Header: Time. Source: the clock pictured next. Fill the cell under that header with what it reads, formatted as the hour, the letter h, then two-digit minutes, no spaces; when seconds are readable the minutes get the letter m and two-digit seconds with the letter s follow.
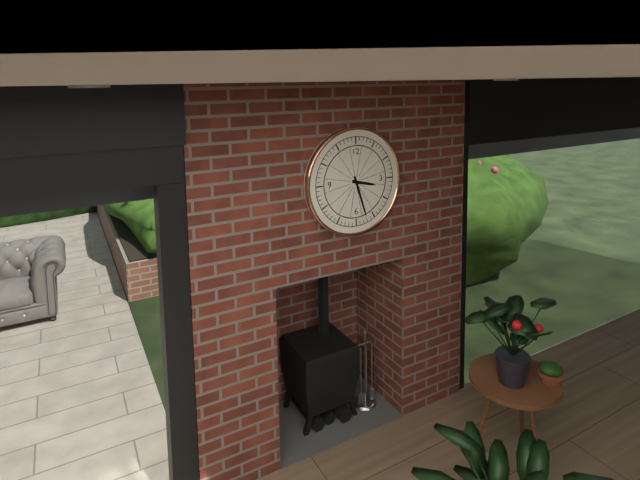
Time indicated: 3h27
